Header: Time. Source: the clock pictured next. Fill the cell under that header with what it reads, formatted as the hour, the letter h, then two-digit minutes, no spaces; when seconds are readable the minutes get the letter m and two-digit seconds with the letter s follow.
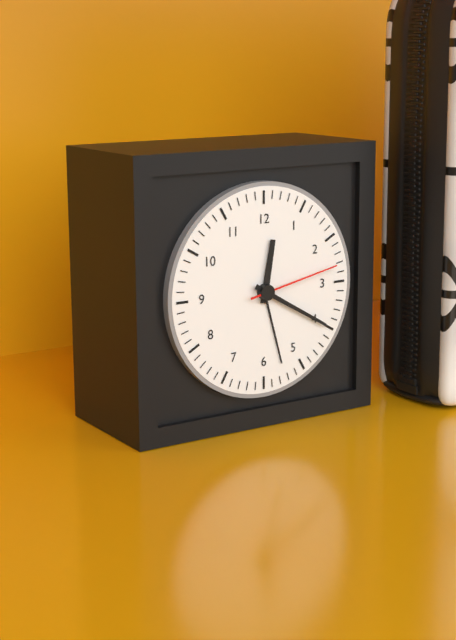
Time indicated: 12h20m13s
